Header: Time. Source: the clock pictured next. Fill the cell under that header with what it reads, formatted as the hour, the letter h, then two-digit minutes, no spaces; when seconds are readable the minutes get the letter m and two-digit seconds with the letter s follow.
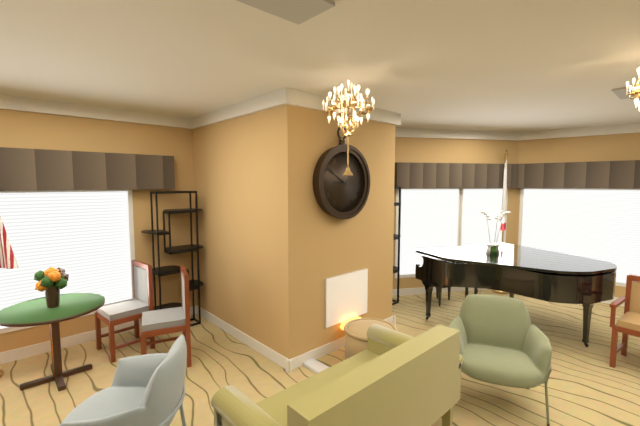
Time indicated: 8h50
